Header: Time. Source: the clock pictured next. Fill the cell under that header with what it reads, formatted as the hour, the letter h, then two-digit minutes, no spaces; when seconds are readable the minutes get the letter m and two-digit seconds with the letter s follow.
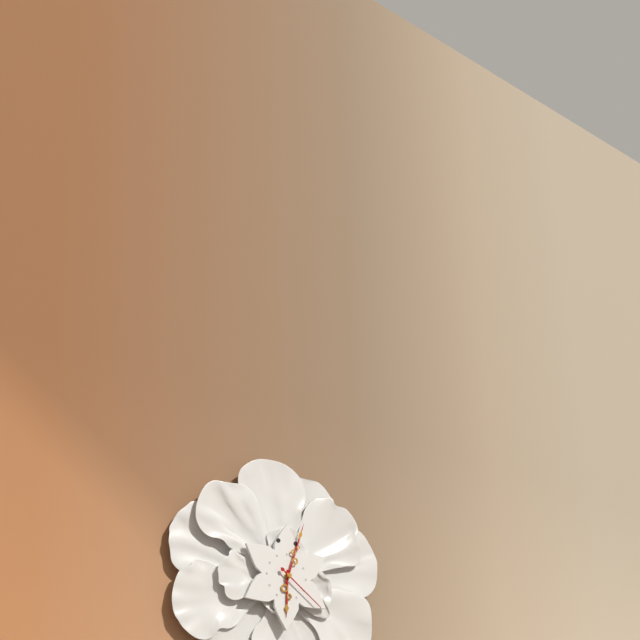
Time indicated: 6h03m21s
